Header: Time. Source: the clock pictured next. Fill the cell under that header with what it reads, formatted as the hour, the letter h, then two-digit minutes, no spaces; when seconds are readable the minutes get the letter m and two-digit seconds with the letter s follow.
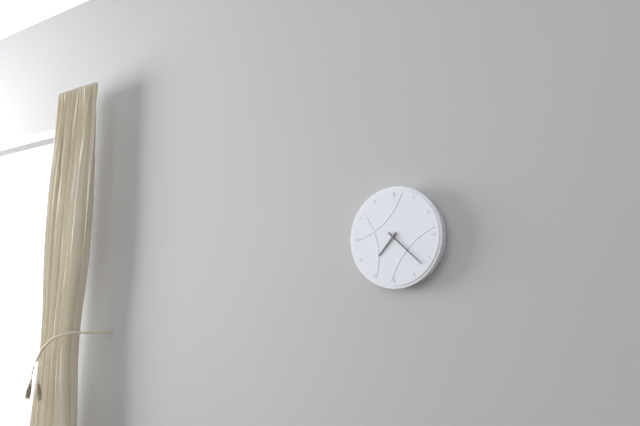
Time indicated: 7h22
